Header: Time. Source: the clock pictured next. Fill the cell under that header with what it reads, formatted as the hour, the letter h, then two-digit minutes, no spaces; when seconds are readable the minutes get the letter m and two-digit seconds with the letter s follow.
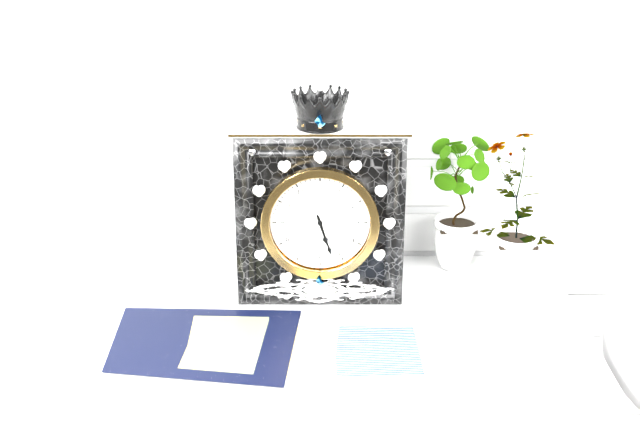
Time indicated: 5h27
